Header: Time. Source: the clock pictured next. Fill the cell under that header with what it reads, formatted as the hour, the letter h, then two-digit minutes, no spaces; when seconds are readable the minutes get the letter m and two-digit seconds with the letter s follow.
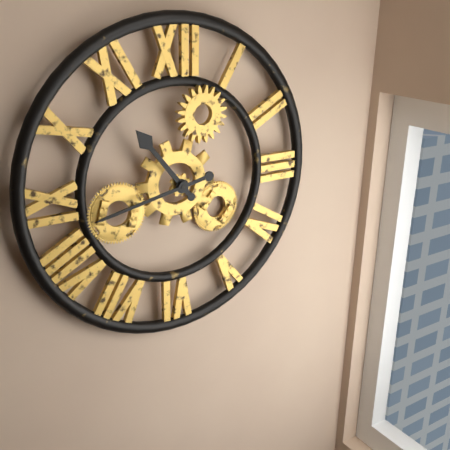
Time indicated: 10h43
